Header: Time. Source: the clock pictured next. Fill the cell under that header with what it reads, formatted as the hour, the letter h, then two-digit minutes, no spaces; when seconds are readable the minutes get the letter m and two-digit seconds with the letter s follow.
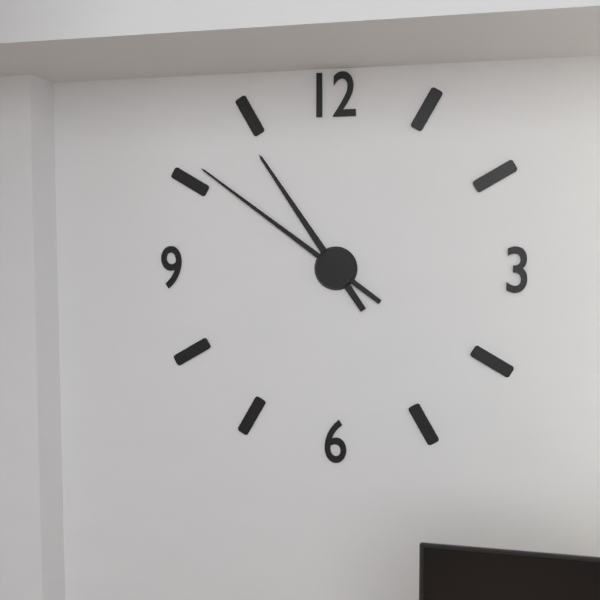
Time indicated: 10h51
